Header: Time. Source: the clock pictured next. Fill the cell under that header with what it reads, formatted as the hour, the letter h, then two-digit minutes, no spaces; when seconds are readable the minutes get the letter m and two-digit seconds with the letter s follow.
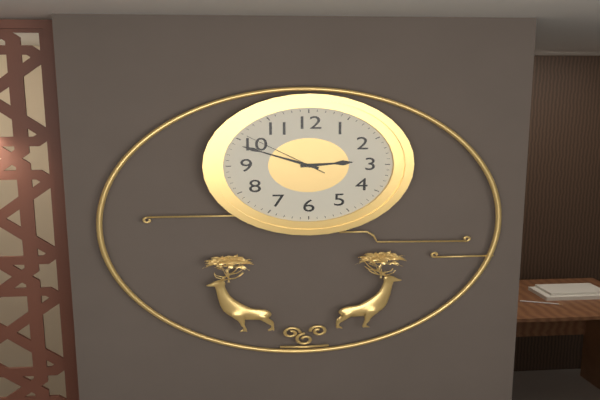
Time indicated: 2h49m51s
